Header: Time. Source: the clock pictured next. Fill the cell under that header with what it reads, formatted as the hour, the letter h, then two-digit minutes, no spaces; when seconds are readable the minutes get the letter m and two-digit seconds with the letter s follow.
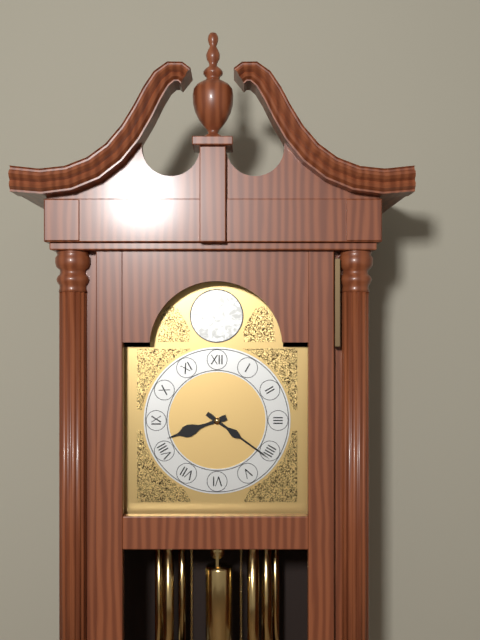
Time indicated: 8h21
